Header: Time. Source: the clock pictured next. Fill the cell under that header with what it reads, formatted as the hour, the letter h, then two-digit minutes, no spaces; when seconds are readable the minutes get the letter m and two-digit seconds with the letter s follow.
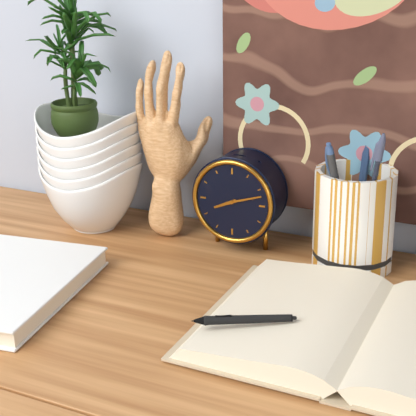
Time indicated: 8h12
